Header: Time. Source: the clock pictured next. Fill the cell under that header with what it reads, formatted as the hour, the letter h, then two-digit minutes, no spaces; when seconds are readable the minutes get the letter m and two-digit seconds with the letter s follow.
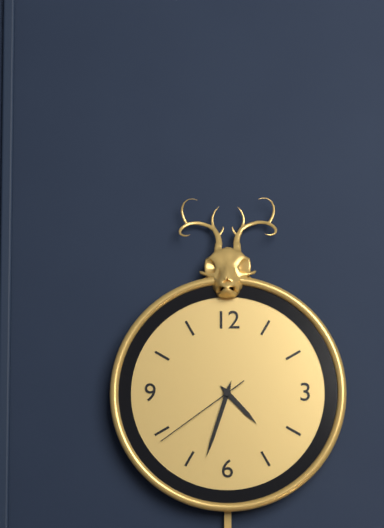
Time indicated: 4h33m39s
